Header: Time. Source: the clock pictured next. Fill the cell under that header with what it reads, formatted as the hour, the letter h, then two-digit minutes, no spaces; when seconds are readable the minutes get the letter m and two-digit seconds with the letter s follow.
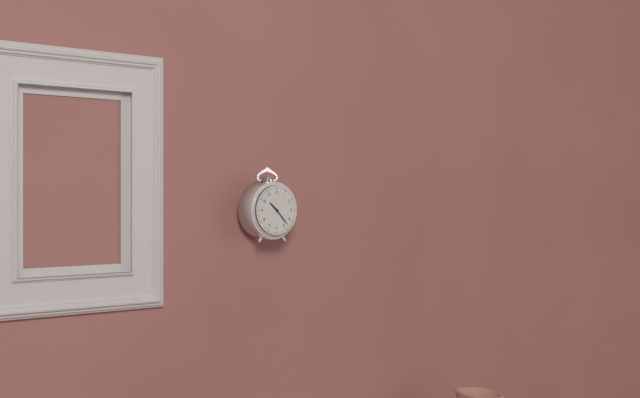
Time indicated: 10h23
